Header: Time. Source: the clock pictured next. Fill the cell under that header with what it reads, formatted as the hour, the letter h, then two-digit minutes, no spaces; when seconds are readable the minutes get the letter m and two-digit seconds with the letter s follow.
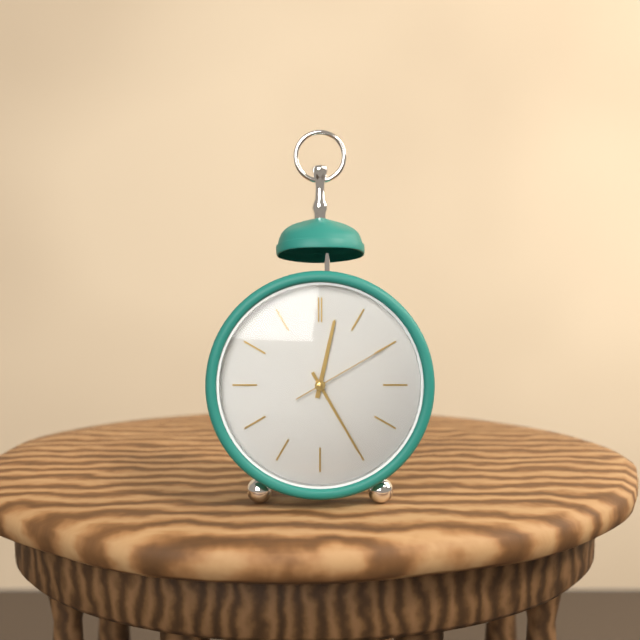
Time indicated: 12h25m10s
